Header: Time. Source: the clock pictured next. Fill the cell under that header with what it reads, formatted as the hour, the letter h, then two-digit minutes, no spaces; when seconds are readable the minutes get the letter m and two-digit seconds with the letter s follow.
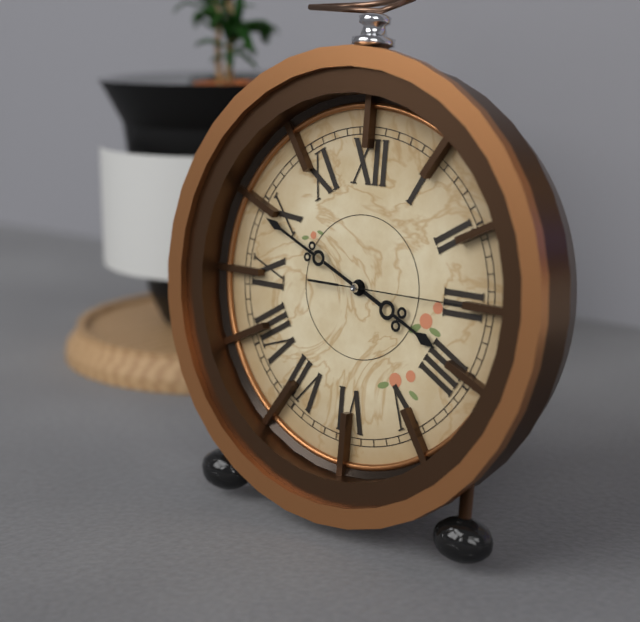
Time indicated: 3h49m15s
